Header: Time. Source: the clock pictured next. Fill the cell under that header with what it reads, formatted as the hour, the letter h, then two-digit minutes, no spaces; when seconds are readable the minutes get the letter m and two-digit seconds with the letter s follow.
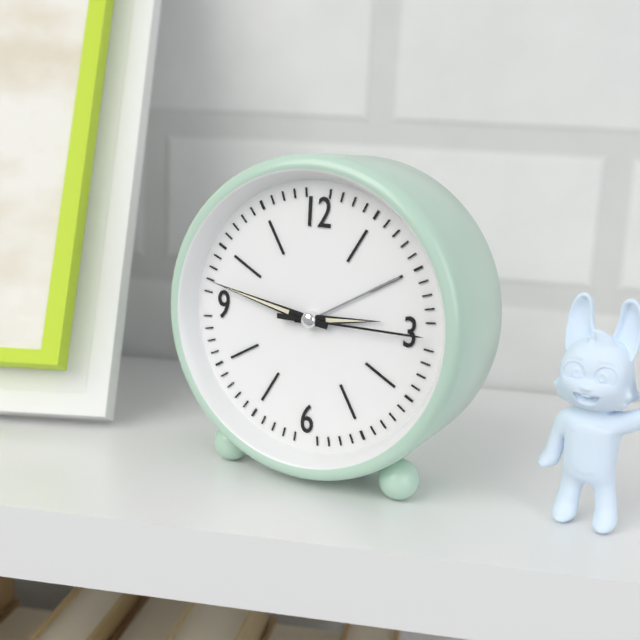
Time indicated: 2h47m15s
